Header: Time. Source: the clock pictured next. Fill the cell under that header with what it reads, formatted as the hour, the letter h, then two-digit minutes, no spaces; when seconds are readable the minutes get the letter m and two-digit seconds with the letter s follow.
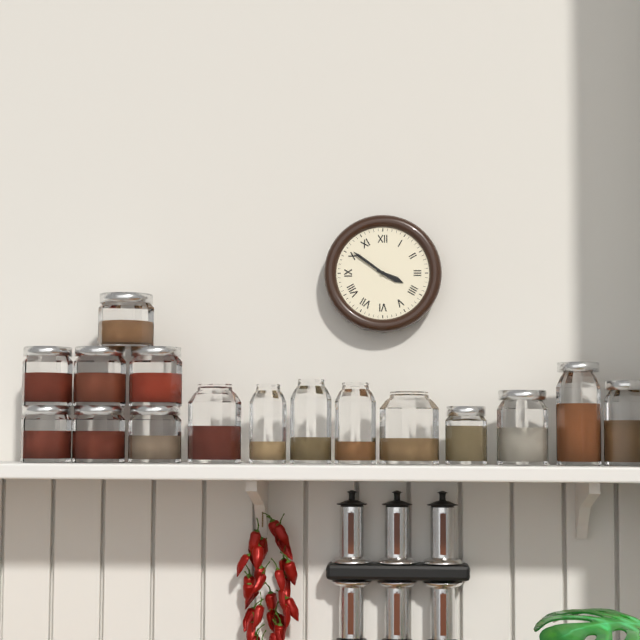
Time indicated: 3h51
